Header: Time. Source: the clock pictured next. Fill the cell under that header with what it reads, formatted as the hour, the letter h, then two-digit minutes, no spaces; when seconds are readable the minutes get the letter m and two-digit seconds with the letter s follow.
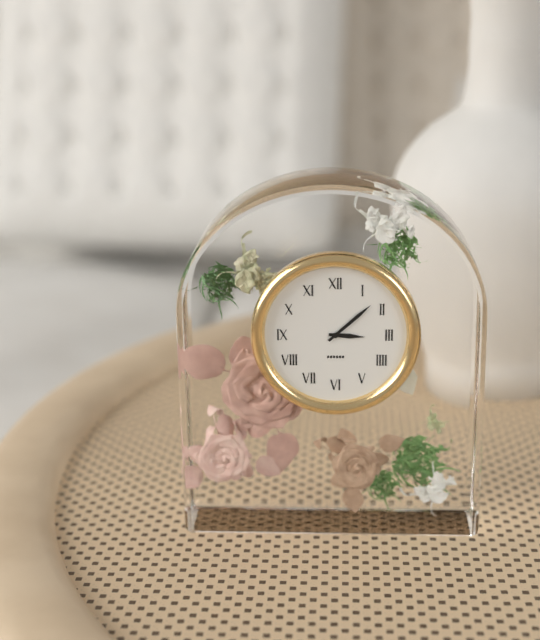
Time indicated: 3h08
